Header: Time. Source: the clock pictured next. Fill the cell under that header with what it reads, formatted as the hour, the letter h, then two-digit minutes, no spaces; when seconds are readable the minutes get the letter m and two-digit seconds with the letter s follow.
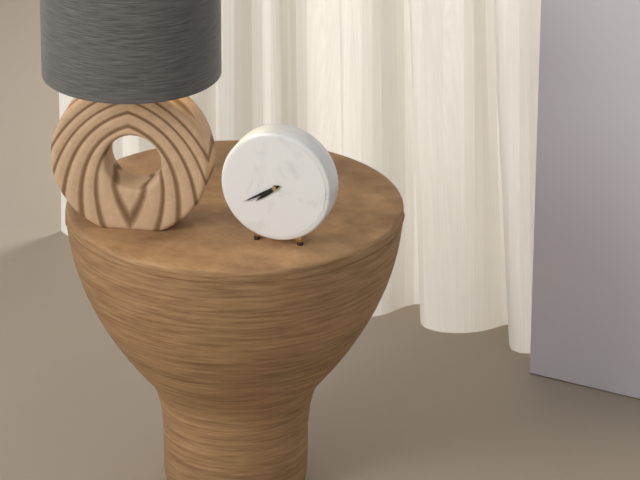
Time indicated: 7h40
